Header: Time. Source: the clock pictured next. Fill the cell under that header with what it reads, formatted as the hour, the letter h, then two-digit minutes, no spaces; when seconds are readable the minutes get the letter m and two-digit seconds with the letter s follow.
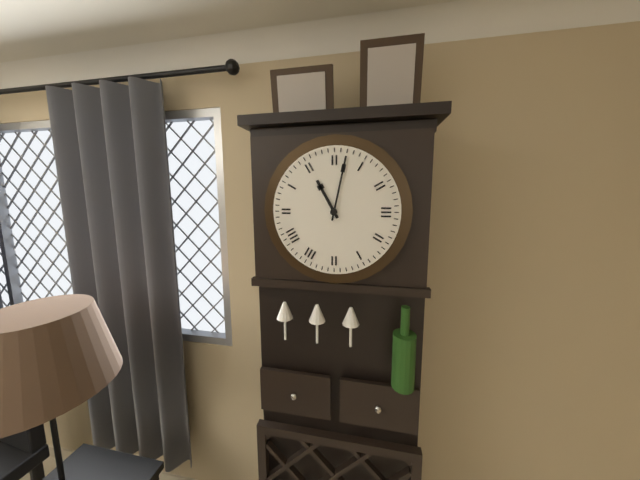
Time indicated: 11h02
